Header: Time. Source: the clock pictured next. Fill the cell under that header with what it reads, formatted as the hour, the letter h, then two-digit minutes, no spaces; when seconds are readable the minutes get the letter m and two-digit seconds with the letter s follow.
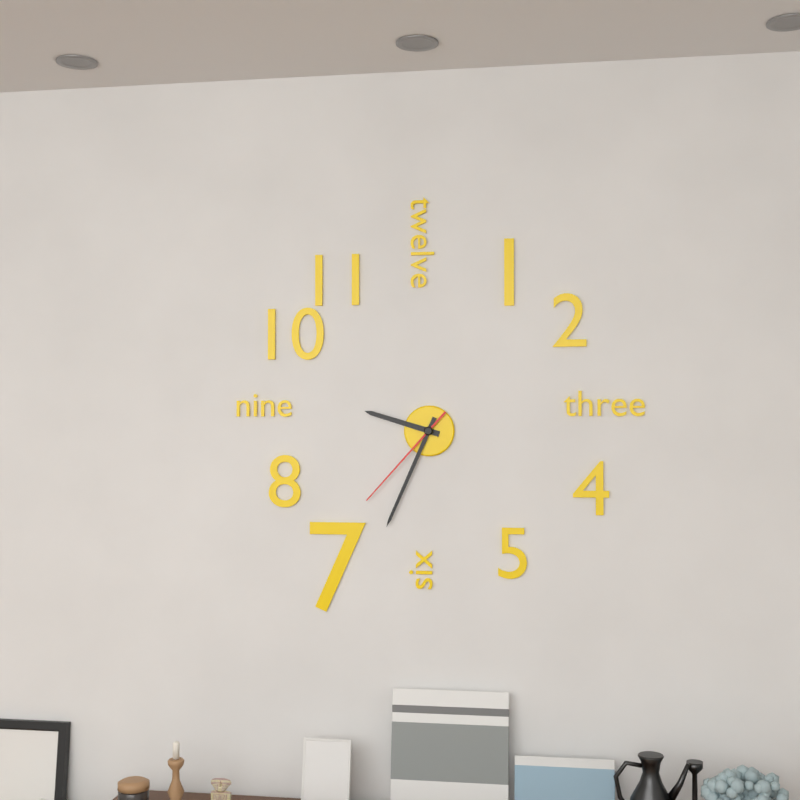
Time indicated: 9h34m37s
